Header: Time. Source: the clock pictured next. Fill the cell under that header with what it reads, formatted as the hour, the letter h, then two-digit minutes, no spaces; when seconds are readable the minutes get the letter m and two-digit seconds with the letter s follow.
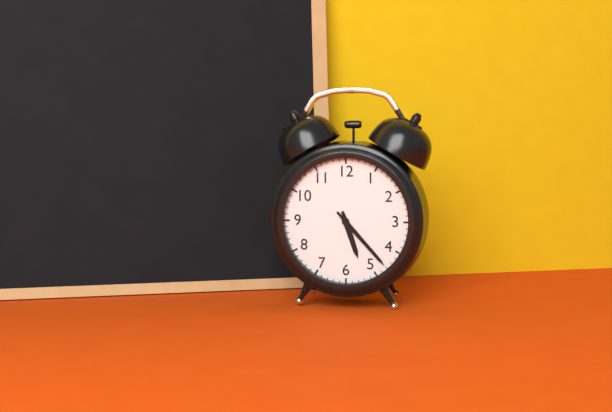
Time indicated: 5h23
